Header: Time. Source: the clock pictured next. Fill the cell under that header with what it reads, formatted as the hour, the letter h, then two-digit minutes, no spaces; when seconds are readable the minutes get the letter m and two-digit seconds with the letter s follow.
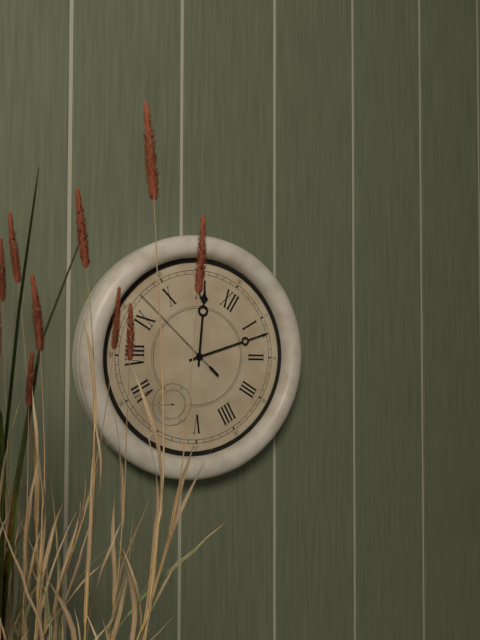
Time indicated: 11h07m47s
